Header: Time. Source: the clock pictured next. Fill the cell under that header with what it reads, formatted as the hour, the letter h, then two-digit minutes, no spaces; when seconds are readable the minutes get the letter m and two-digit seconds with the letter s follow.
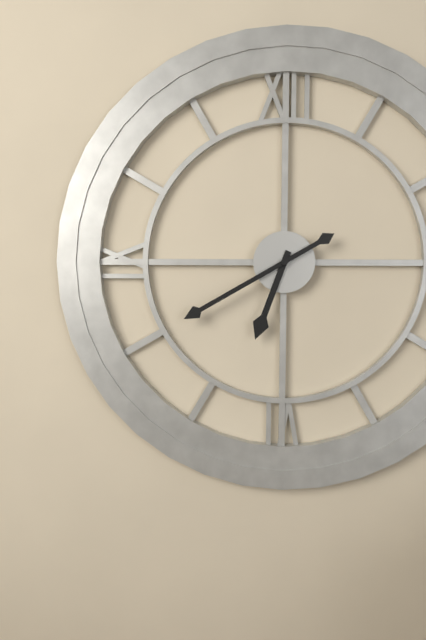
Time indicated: 6h40
